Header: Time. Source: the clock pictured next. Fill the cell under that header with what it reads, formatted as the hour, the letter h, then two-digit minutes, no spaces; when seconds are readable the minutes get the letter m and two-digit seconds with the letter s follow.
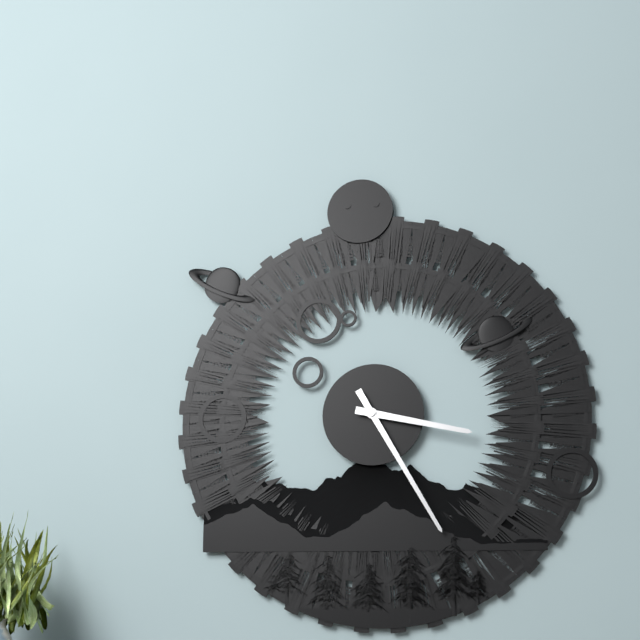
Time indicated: 3h25
